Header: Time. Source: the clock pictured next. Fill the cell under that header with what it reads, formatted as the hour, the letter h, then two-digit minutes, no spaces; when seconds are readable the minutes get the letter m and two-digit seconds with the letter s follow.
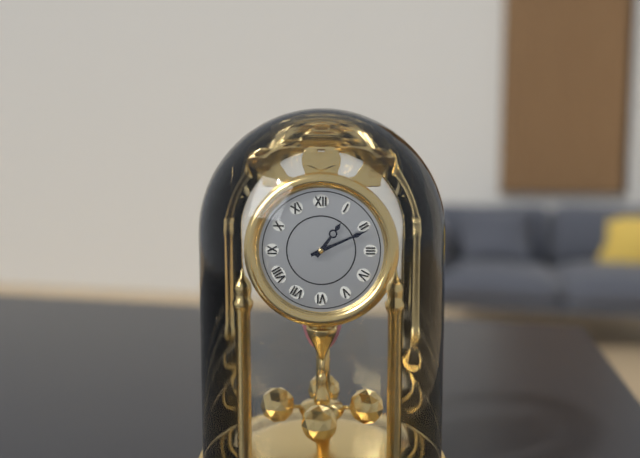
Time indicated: 1h11
